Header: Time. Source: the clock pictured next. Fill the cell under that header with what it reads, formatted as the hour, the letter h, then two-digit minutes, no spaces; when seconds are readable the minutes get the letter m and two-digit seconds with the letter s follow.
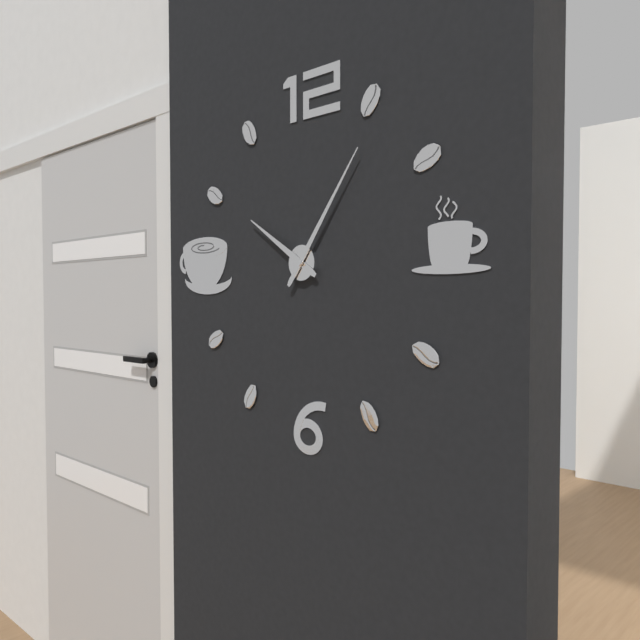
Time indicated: 10h06
